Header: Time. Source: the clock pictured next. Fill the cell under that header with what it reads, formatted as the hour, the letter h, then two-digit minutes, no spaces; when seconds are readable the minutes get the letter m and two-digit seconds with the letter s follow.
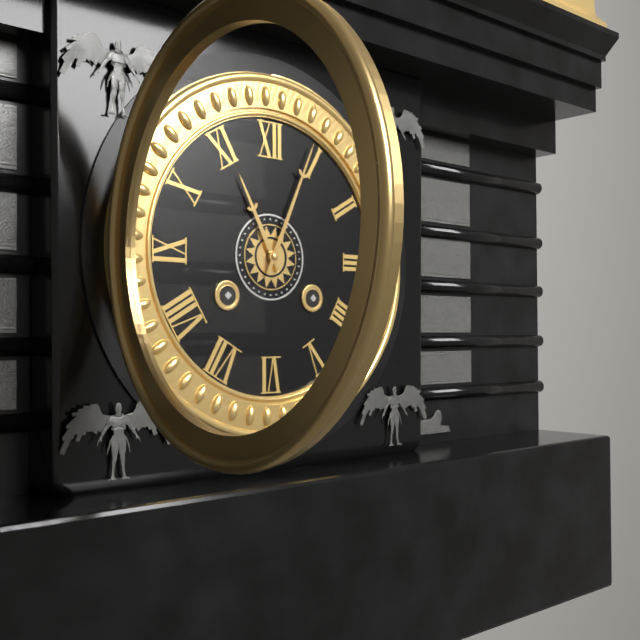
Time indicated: 11h04
